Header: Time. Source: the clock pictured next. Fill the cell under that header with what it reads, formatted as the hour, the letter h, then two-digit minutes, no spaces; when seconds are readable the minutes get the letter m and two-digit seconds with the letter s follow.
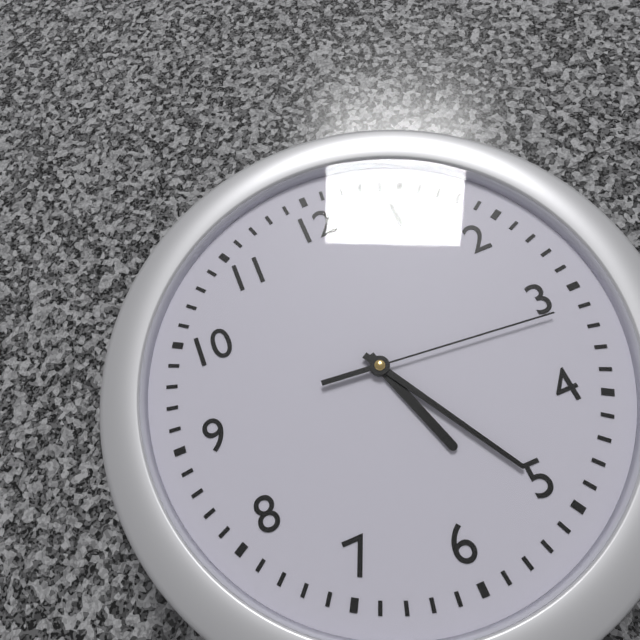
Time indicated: 5h25m16s
